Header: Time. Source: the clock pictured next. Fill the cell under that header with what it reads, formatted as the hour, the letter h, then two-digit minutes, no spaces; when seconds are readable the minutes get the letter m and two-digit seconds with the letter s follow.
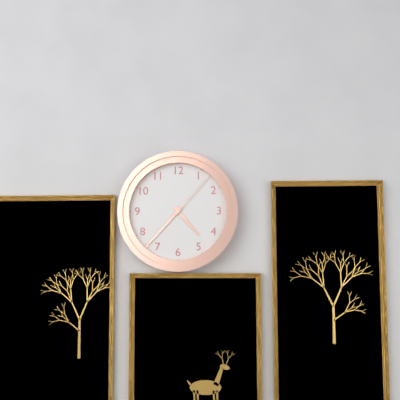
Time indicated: 4h37m07s
